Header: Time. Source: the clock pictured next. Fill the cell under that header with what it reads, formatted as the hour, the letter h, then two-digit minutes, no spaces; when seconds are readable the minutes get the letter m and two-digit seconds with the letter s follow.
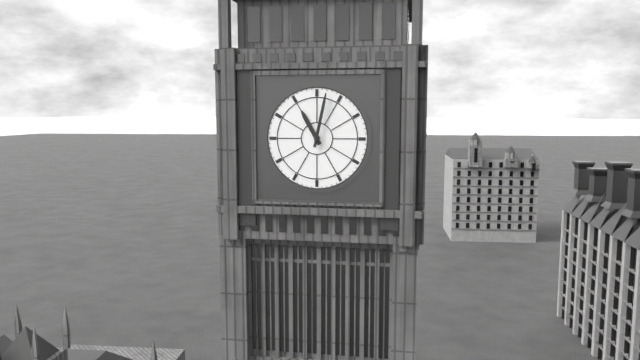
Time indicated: 11h02
